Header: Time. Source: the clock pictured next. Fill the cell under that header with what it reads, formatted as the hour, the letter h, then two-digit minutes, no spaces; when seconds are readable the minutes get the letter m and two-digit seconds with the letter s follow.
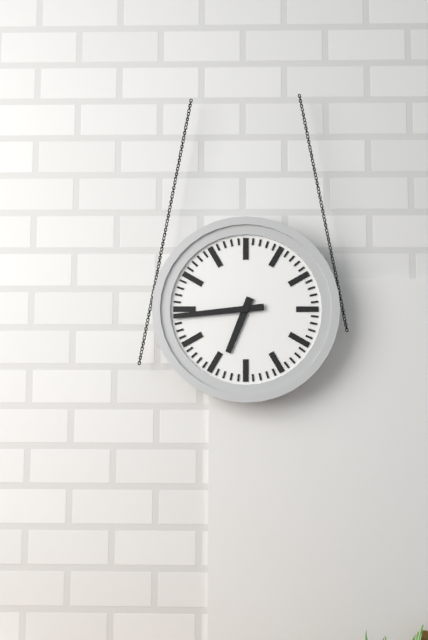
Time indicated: 6h44
